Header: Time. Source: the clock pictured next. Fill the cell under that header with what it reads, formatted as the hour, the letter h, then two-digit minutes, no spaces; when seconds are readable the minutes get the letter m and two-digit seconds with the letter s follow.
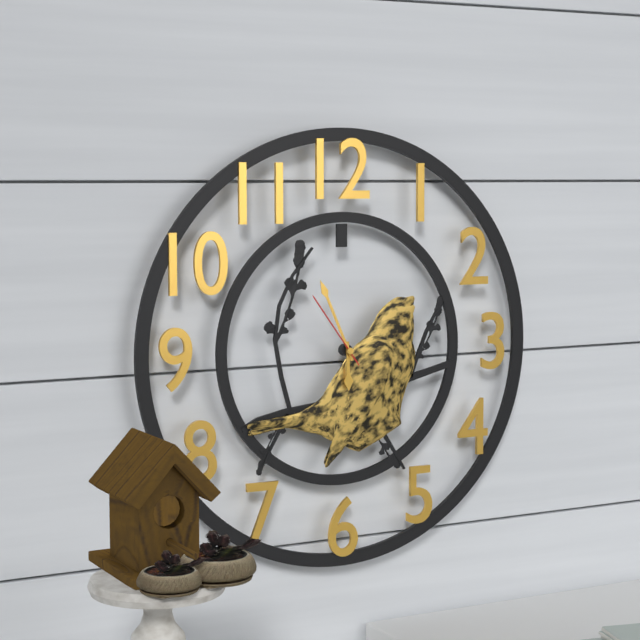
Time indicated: 5h56m54s
